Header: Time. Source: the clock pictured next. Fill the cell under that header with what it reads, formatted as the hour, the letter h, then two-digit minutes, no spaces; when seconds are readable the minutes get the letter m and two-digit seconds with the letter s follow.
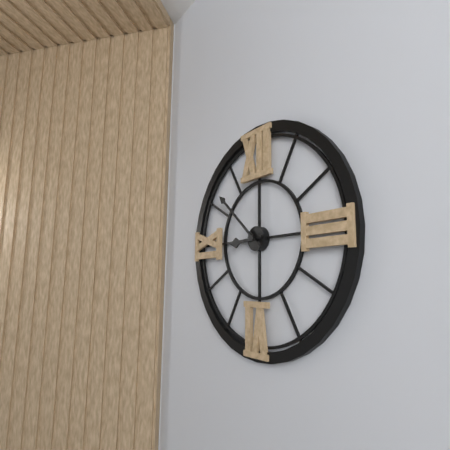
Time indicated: 8h52
